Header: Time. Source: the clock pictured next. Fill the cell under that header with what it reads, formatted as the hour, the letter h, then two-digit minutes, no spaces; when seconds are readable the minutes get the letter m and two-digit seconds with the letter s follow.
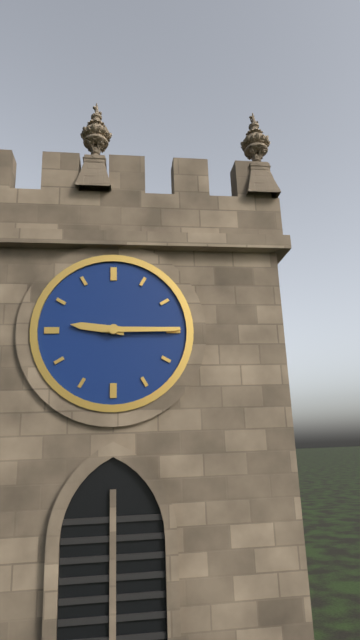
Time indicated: 9h15
